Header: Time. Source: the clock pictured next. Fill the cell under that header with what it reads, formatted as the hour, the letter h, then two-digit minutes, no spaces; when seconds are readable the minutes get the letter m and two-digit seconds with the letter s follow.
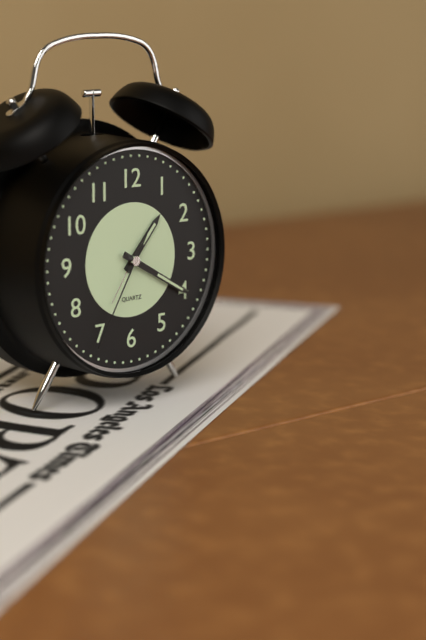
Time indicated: 1h20m35s
